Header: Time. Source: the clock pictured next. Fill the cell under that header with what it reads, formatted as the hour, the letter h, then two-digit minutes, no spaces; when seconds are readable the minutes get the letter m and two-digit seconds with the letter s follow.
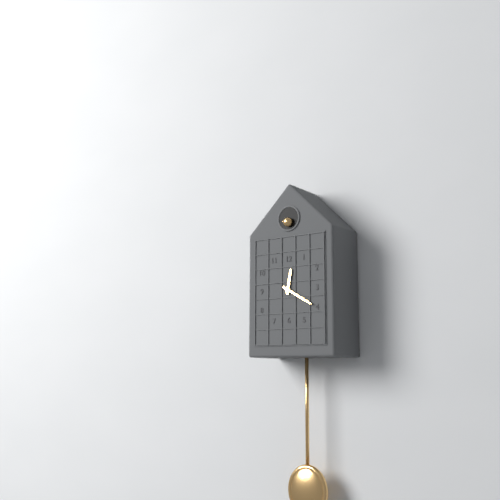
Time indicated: 12h20
